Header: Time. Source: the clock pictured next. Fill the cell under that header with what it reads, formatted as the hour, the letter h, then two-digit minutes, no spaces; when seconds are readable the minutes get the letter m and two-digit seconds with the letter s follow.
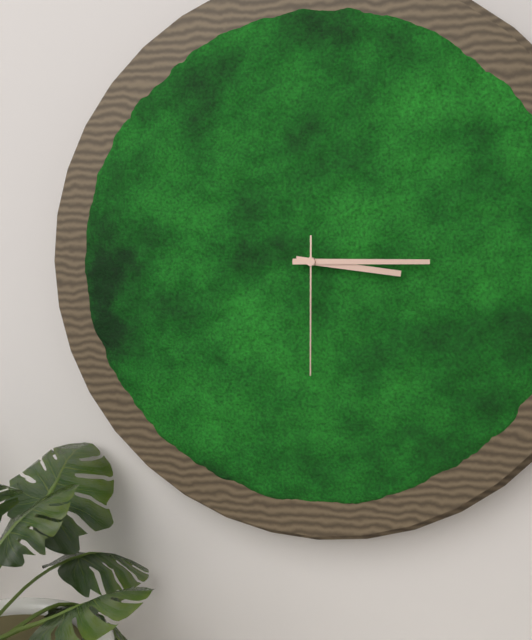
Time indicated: 3h15m30s
